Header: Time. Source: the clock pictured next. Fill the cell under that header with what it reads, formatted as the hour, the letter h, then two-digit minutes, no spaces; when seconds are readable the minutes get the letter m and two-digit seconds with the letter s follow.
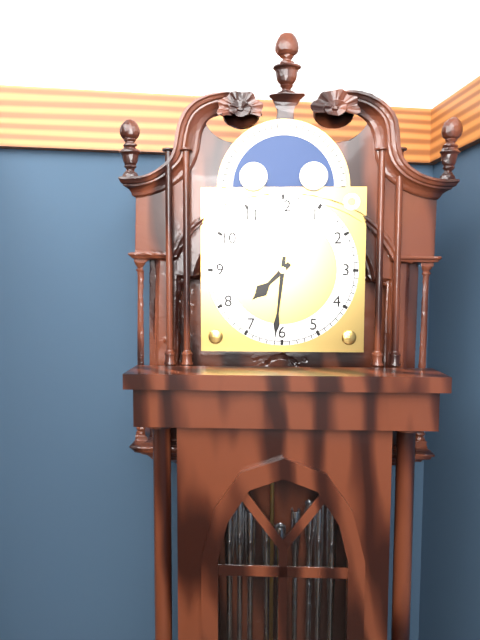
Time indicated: 7h31
